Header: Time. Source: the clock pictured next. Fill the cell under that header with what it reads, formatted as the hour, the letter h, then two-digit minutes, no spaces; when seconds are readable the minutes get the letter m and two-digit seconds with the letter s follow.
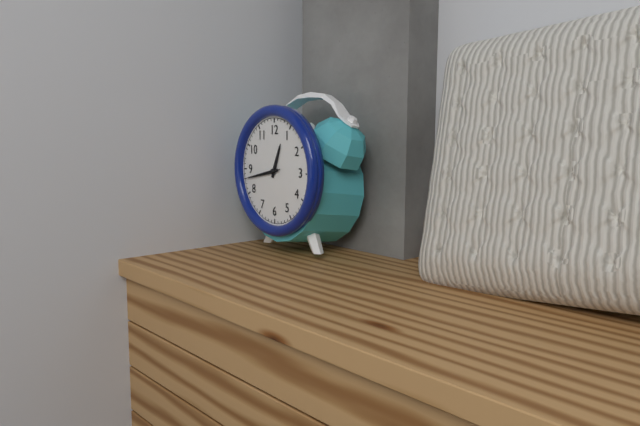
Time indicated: 12h43
